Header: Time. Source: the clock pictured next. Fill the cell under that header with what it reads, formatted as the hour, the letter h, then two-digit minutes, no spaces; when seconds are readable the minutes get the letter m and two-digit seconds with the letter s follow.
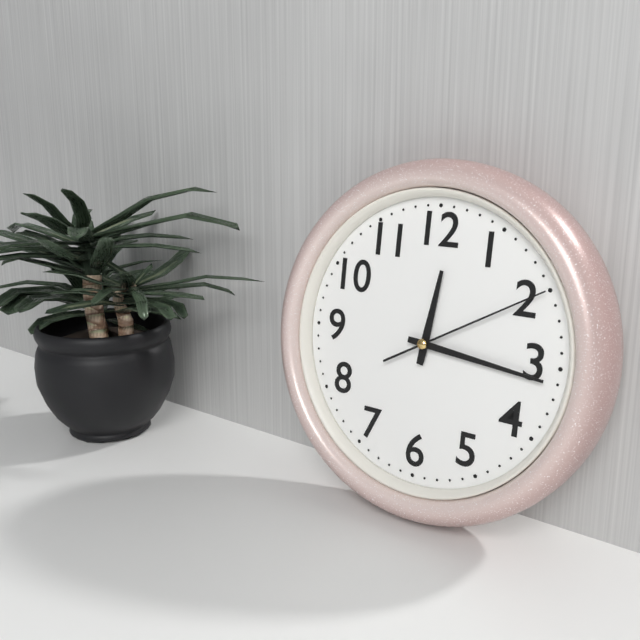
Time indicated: 12h16m10s
